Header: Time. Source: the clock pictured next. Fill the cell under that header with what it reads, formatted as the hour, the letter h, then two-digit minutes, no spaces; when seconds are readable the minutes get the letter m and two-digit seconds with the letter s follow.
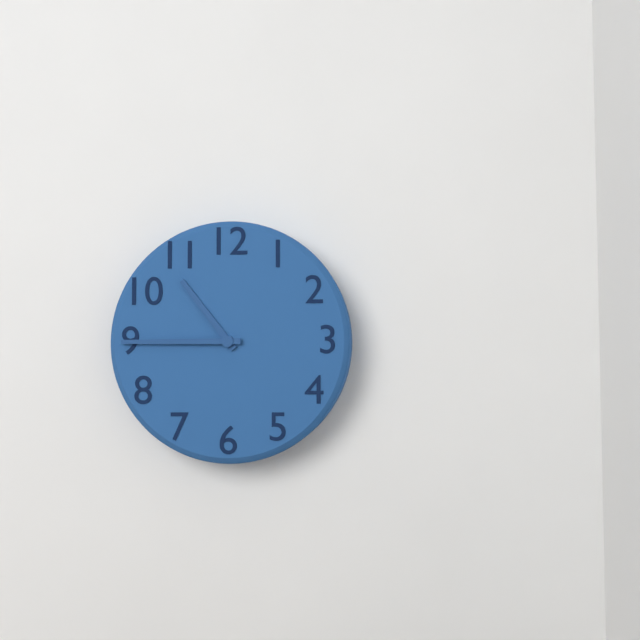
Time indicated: 10h45
